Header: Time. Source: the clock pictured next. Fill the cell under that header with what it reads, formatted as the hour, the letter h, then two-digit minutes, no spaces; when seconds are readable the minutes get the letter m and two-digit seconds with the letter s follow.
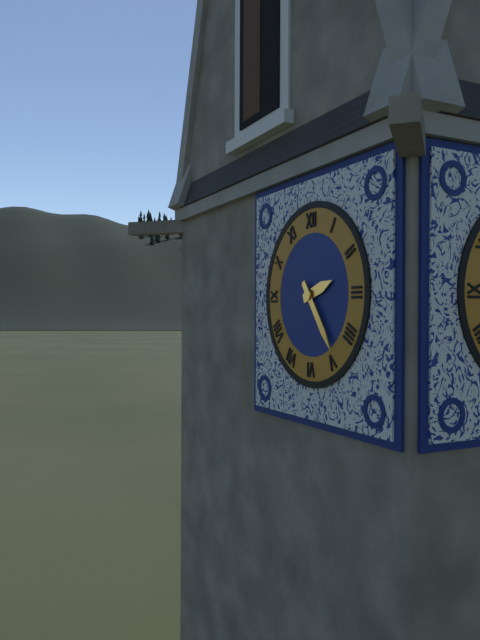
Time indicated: 2h24
